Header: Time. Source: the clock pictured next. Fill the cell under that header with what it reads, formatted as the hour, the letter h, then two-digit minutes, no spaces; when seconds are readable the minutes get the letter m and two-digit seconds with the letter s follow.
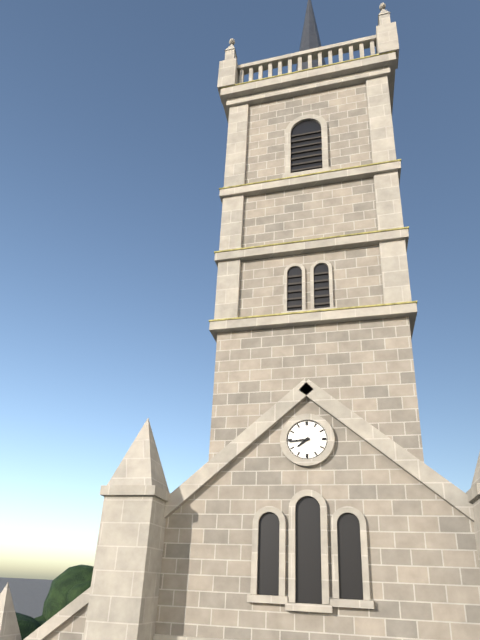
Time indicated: 7h44
